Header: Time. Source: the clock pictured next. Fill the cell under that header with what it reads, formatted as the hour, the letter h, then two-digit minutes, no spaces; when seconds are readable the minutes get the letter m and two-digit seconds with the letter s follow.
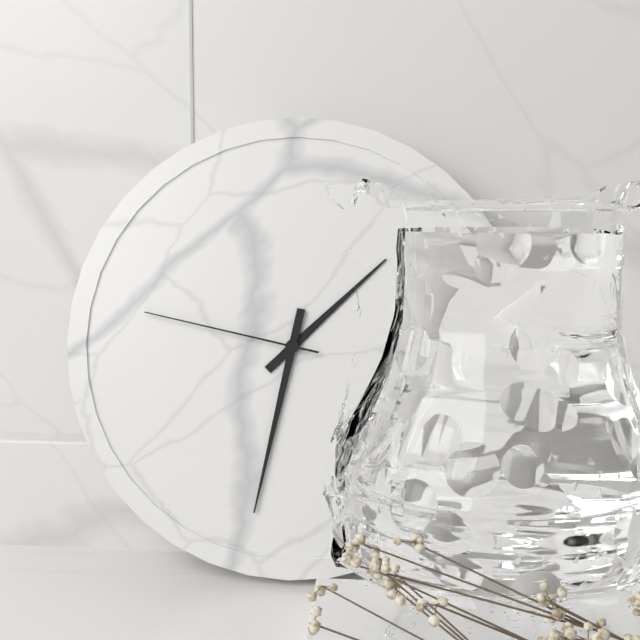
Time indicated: 1h32m47s
